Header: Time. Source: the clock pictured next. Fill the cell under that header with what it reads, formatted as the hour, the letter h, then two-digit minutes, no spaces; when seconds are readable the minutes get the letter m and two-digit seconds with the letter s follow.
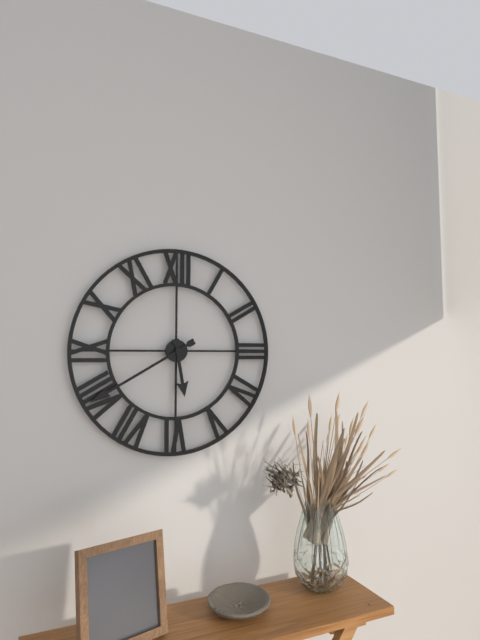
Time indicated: 5h40
